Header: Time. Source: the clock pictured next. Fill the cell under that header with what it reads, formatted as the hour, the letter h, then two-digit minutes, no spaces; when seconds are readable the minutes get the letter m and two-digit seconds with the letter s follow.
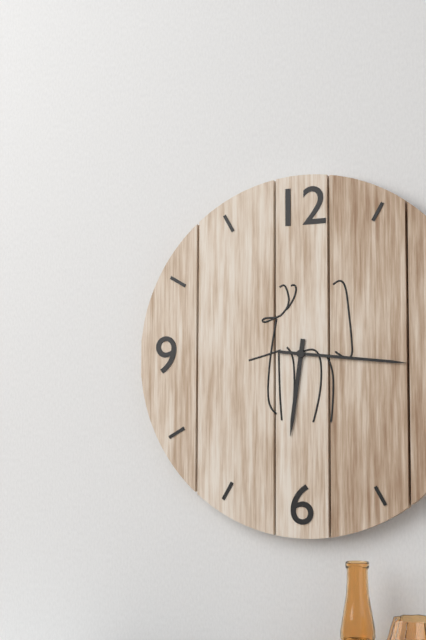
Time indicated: 6h16
